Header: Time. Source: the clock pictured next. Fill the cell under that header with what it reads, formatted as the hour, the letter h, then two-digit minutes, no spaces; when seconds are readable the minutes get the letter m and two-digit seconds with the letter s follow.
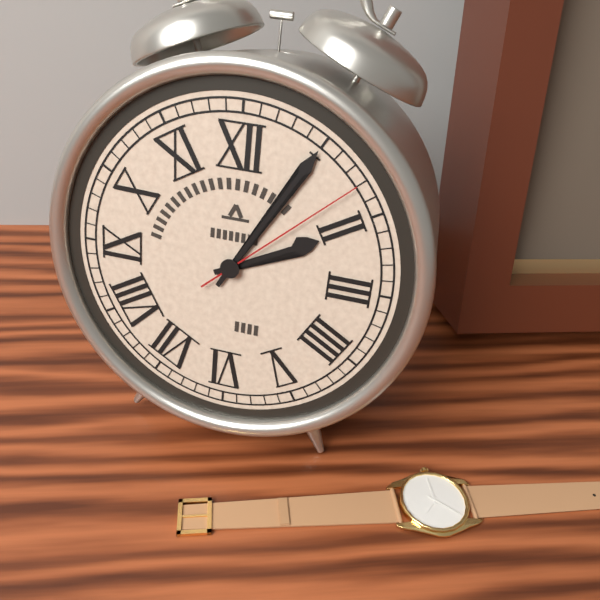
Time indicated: 2h05m08s
